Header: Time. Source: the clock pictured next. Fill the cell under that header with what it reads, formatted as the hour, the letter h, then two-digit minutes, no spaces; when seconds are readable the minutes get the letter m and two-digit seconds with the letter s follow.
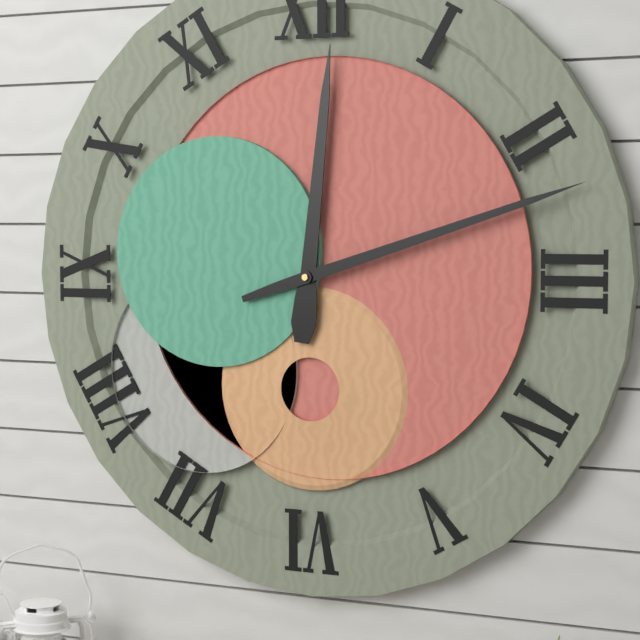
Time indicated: 12h12
